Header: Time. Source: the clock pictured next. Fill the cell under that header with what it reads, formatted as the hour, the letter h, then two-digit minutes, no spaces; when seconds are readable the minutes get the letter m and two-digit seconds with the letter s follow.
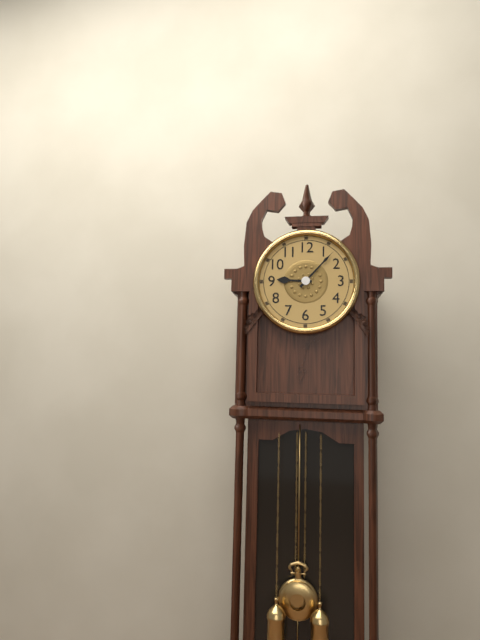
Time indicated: 9h07
